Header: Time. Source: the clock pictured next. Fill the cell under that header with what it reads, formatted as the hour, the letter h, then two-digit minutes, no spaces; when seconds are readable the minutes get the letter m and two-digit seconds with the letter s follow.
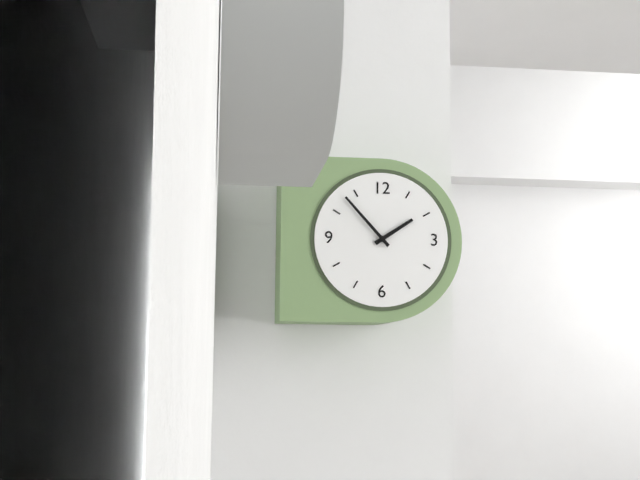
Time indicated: 1h53
